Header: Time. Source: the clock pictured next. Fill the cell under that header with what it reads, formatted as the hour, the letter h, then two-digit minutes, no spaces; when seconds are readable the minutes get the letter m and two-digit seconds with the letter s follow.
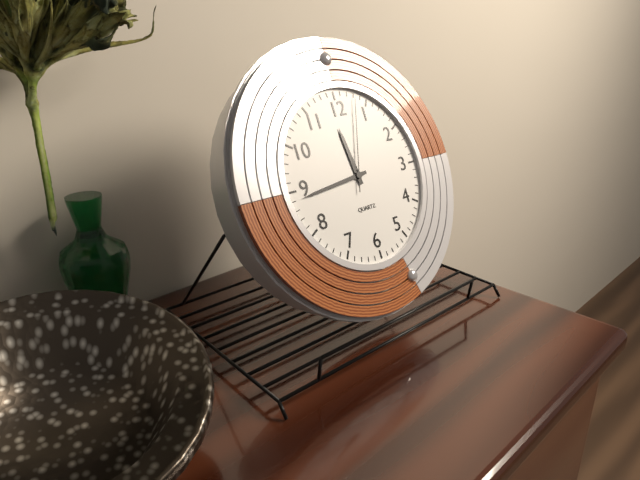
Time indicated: 11h44m03s
